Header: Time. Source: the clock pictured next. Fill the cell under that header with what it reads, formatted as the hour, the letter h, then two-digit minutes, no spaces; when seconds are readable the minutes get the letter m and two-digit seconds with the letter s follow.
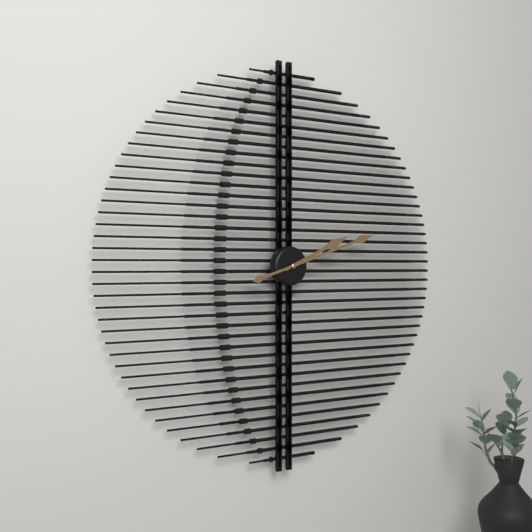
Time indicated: 2h12
